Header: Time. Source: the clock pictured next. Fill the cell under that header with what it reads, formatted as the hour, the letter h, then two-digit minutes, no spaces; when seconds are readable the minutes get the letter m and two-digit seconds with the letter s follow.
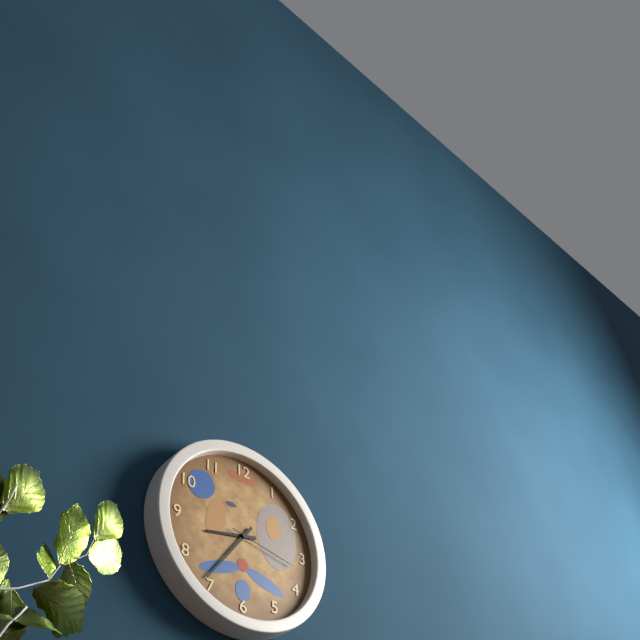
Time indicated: 8h36m17s
